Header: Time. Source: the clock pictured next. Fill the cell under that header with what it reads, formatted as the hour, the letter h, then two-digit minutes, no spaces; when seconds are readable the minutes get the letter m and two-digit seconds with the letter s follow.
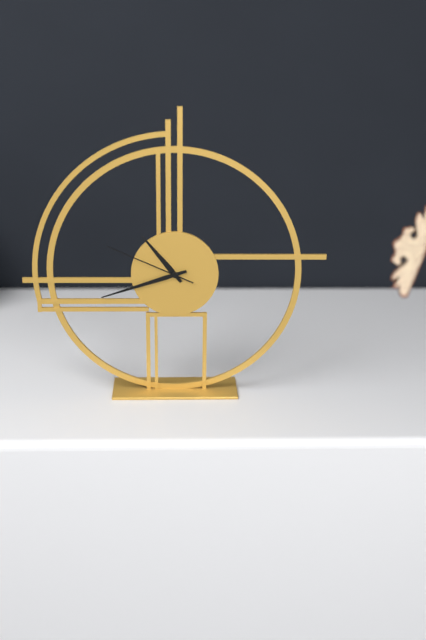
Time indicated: 10h42m49s
